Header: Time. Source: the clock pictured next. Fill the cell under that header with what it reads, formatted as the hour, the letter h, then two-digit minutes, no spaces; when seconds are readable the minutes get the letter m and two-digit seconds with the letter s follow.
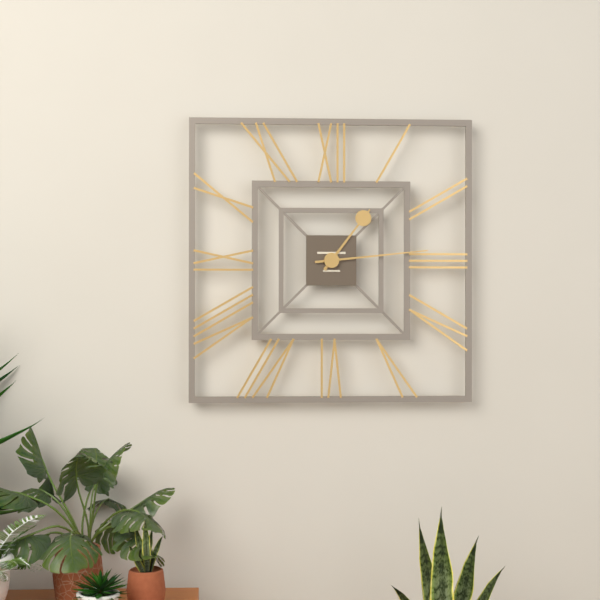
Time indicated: 1h14
